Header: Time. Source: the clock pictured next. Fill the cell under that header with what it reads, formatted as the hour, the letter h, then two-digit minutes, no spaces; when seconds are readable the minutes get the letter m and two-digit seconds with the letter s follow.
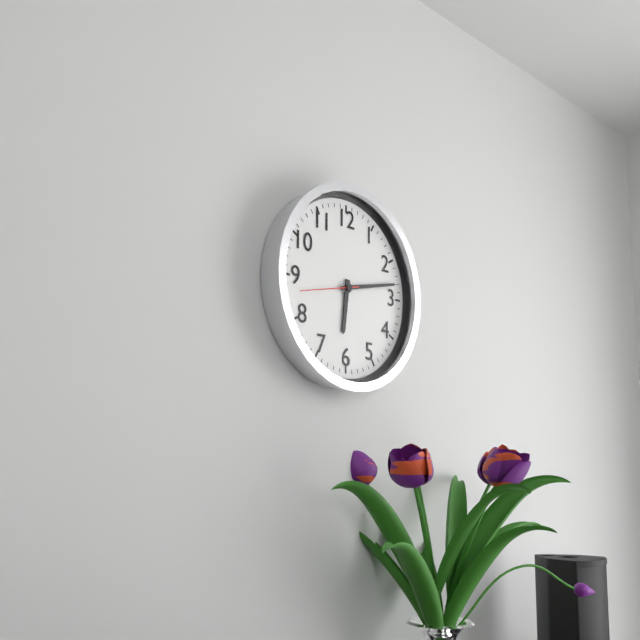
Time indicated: 6h13m43s
